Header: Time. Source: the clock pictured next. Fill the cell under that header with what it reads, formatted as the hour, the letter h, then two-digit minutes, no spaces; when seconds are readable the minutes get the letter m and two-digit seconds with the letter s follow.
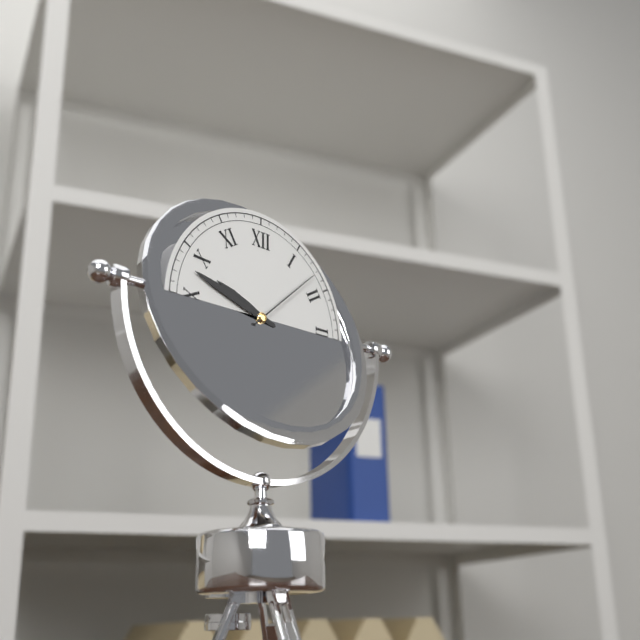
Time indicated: 9h48m08s
